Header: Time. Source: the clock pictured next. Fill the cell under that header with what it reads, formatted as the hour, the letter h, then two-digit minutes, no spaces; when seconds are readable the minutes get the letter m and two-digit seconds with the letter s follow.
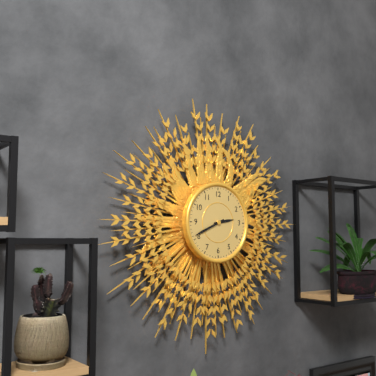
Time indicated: 2h41
